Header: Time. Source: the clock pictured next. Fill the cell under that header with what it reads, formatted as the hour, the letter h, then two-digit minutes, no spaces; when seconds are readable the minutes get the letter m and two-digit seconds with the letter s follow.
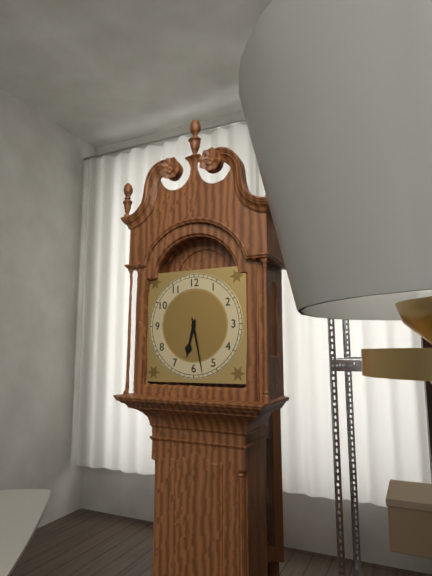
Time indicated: 6h28
